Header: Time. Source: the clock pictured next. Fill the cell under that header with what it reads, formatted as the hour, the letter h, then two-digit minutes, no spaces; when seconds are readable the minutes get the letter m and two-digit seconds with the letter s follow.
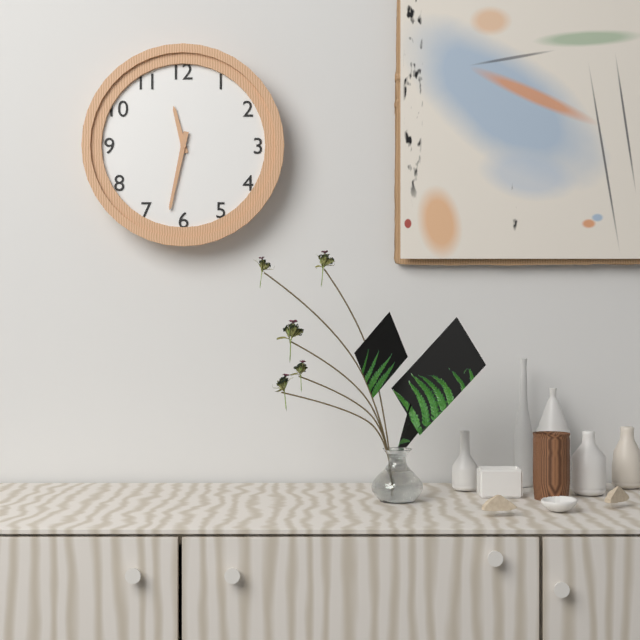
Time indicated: 11h32
